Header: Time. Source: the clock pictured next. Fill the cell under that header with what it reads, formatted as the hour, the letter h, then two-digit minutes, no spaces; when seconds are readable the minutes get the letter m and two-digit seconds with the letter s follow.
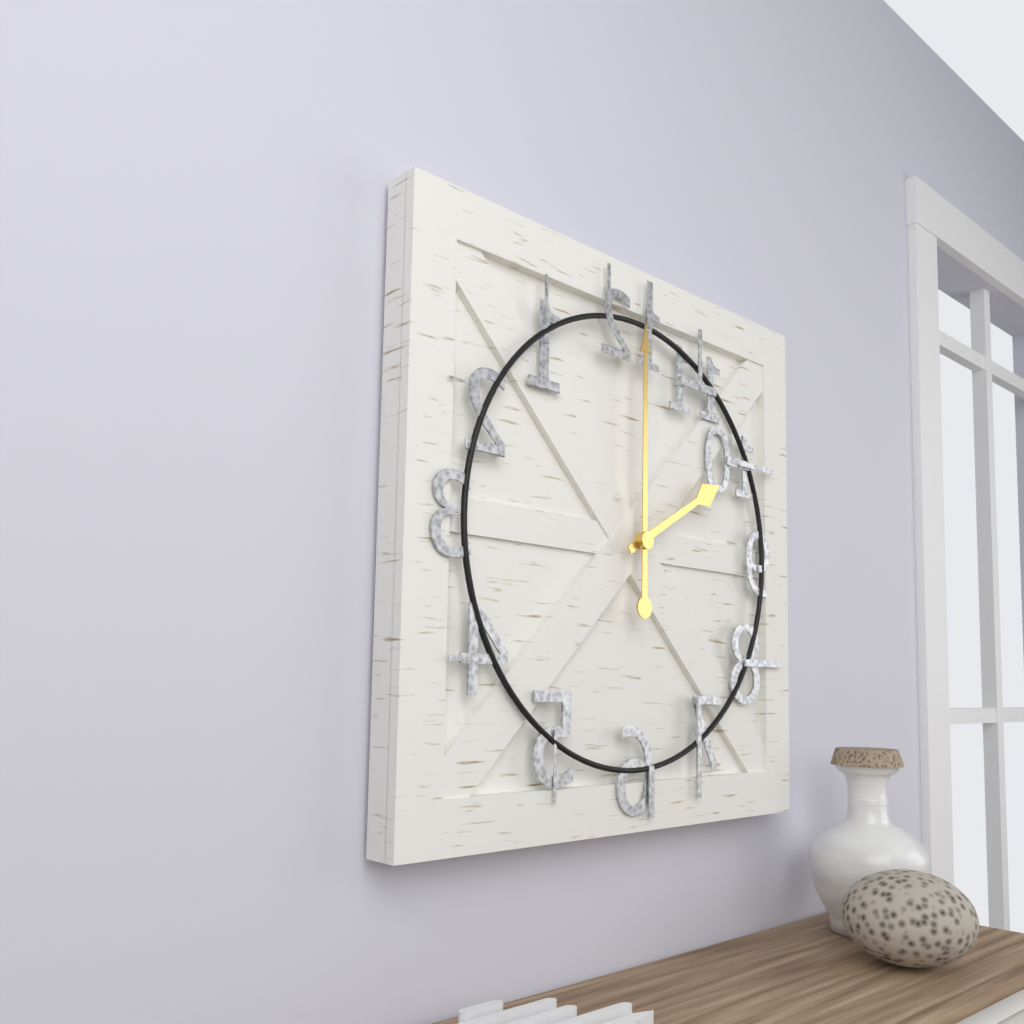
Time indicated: 2h00
